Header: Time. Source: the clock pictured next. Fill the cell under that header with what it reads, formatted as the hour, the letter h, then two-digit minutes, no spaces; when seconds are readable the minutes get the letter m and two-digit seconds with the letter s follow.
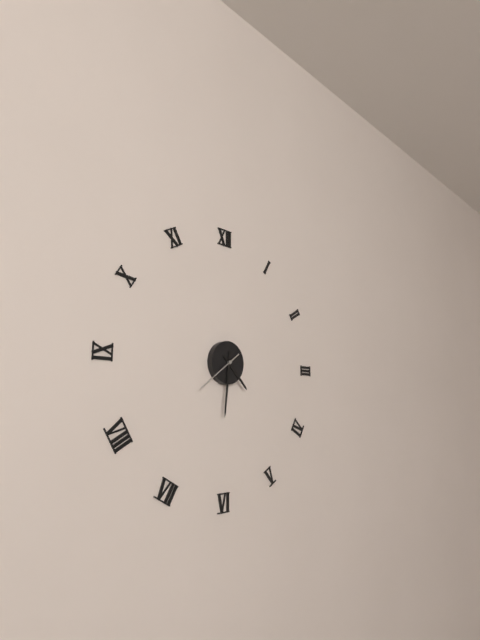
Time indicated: 4h31
